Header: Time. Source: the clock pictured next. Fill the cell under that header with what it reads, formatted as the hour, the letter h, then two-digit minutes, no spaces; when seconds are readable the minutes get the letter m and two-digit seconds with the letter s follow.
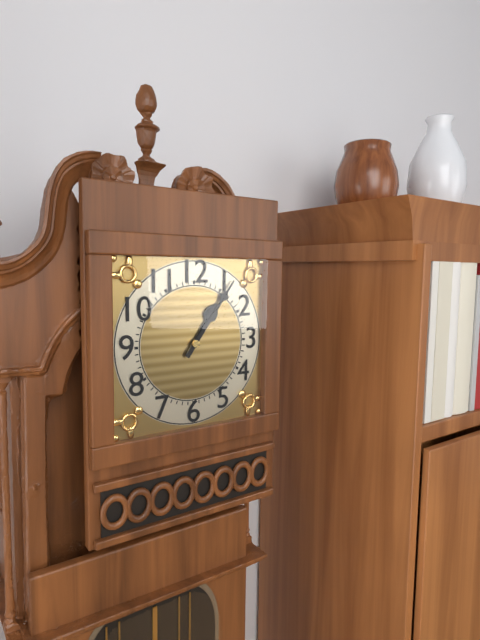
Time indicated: 1h06
